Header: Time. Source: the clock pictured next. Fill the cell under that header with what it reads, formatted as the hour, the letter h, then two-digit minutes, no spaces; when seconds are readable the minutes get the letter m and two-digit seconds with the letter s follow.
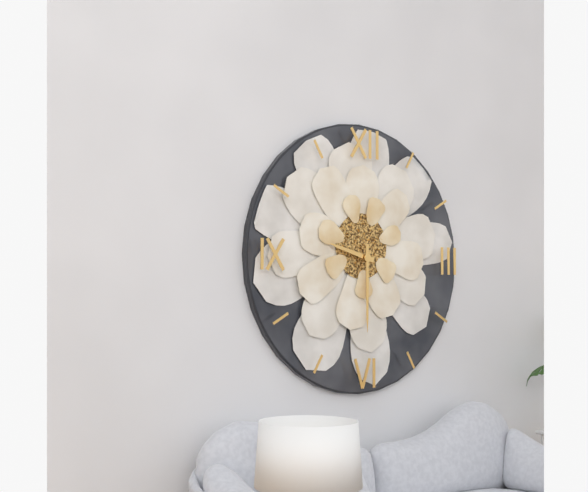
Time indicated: 9h30
